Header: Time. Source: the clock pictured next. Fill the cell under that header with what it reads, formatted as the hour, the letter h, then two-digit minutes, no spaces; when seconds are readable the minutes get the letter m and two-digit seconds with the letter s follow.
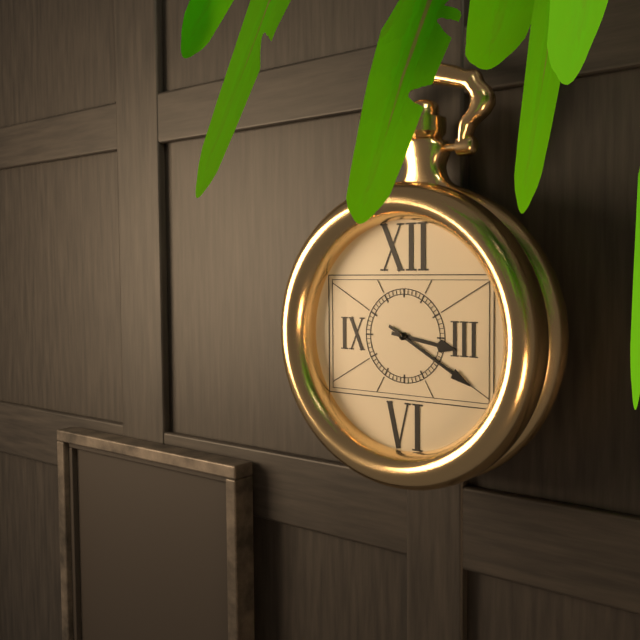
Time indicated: 3h20
